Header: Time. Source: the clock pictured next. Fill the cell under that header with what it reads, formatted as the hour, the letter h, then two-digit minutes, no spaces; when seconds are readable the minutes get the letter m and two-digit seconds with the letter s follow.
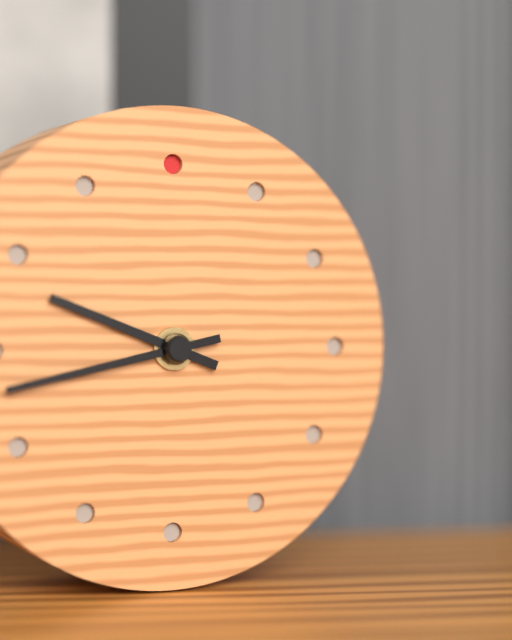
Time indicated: 9h43
